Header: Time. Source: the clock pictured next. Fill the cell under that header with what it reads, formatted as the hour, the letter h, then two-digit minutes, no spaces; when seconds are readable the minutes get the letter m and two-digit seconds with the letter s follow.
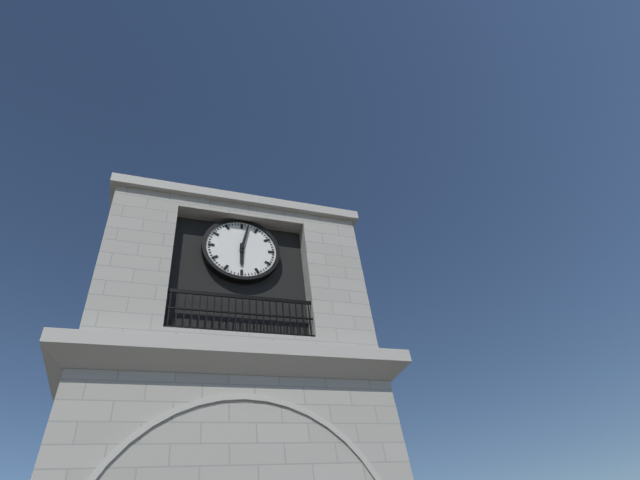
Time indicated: 6h02
